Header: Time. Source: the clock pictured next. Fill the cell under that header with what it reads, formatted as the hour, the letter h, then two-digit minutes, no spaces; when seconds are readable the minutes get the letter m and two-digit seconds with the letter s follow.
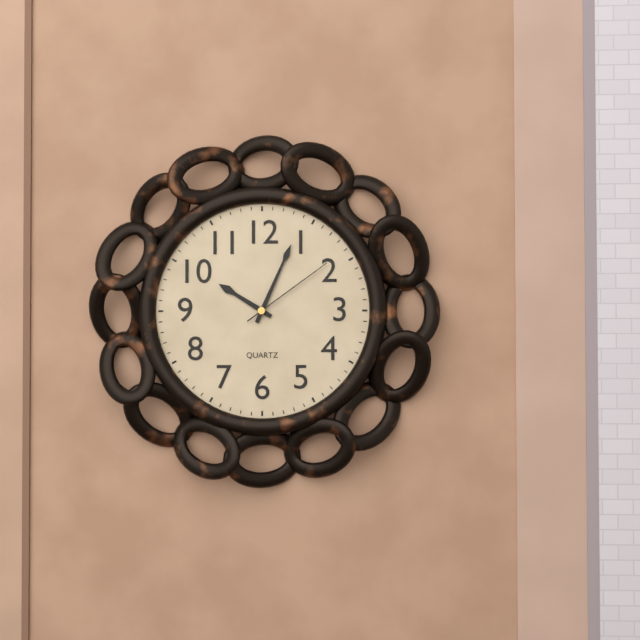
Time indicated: 10h04m09s
